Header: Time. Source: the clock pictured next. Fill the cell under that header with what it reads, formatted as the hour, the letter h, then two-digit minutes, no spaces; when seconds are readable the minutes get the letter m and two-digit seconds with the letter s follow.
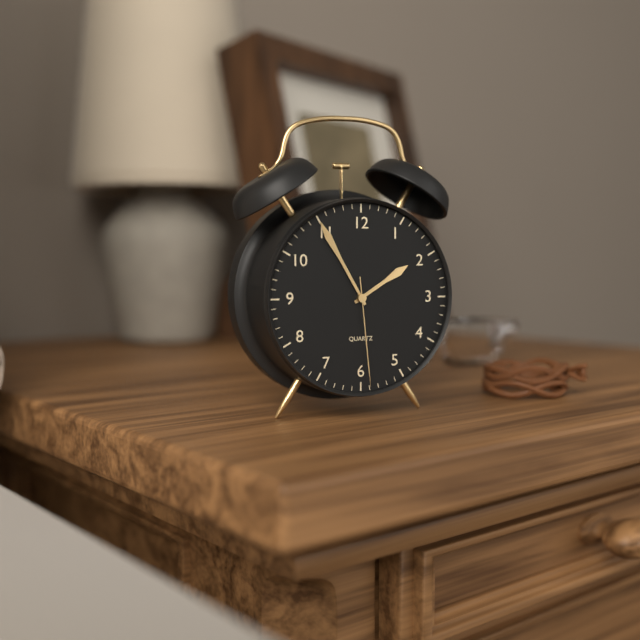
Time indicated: 1h55m29s
